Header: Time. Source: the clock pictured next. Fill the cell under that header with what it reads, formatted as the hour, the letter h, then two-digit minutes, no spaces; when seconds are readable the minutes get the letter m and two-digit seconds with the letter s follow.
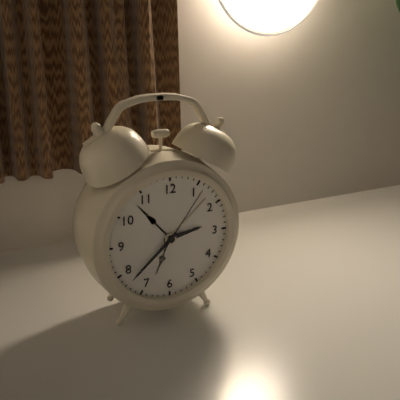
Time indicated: 2h38m06s
